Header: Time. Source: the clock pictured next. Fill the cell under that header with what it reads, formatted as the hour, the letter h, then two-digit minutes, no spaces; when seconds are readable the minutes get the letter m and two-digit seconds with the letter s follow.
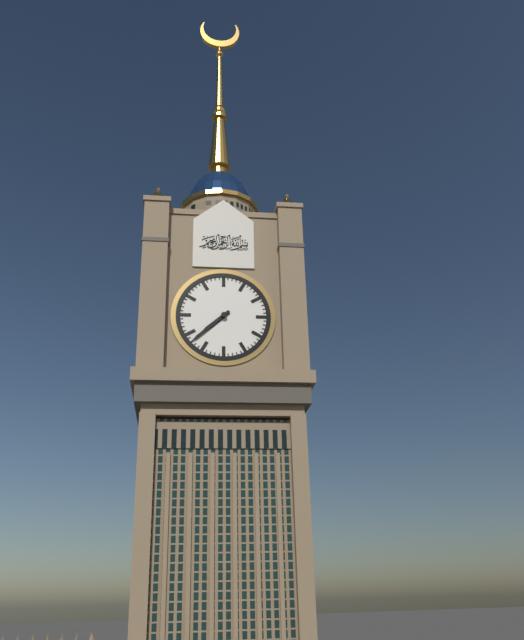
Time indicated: 7h38
